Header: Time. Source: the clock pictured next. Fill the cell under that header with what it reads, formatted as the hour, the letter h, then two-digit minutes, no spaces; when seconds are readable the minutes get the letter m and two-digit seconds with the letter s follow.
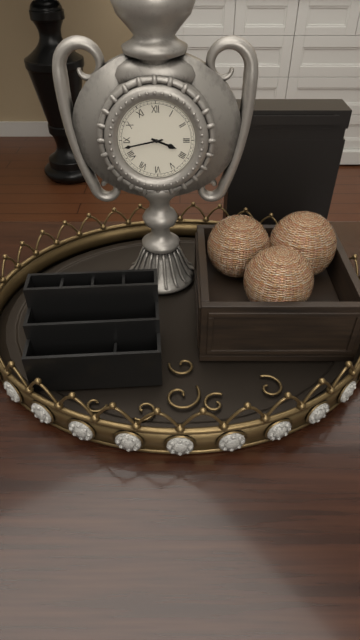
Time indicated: 3h43
